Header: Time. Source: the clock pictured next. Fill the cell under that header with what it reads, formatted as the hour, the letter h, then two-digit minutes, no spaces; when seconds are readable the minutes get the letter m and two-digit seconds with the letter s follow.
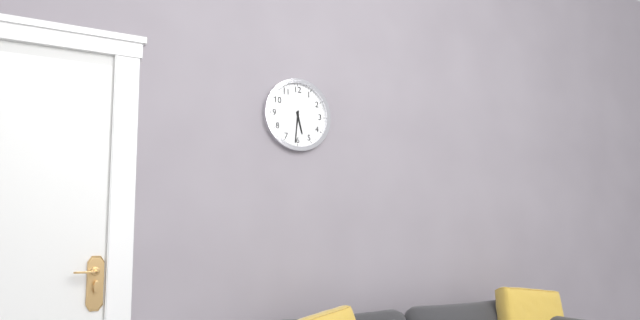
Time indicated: 5h31
